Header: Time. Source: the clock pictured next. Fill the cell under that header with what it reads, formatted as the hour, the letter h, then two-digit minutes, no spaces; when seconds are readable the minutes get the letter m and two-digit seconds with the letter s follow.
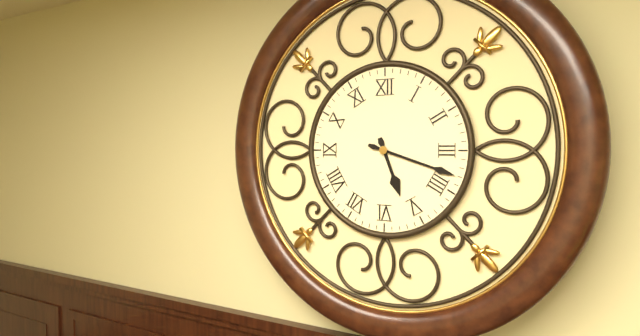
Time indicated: 5h18
